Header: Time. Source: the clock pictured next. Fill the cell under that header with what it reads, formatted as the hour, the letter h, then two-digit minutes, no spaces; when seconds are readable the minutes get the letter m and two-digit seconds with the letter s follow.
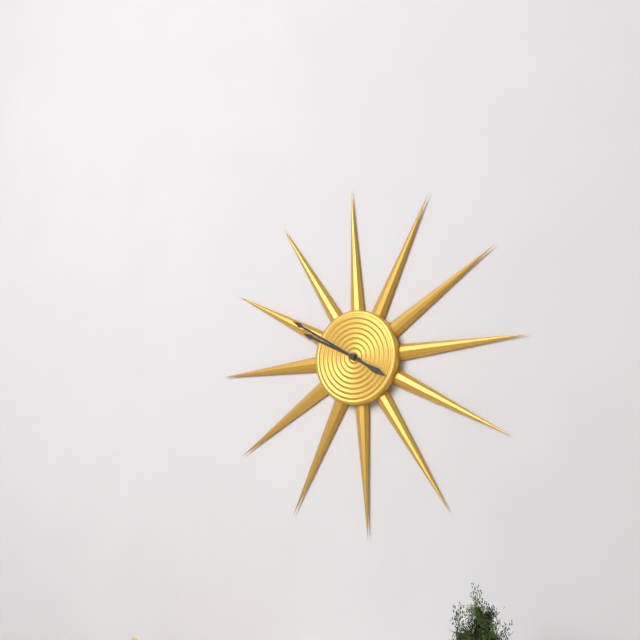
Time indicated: 9h50
